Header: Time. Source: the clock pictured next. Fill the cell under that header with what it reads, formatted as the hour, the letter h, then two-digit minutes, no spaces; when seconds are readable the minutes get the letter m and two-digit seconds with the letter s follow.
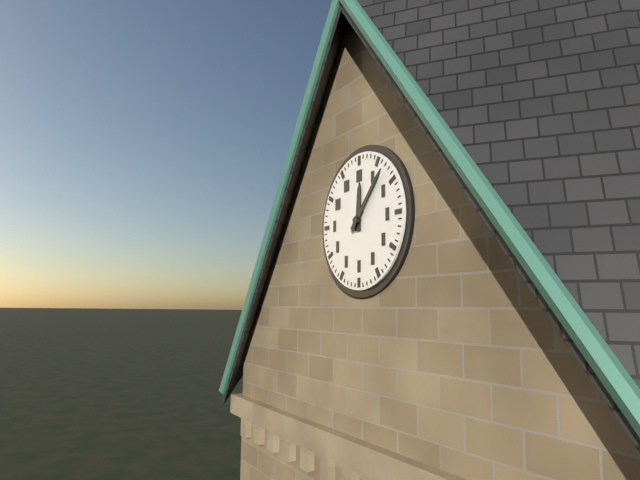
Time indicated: 12h07
